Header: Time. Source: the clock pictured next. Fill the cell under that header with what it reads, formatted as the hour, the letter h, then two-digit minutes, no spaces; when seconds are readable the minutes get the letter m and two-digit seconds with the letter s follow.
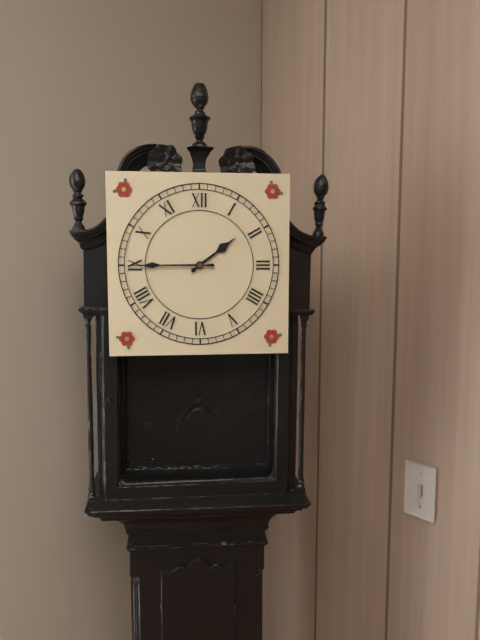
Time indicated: 1h45
